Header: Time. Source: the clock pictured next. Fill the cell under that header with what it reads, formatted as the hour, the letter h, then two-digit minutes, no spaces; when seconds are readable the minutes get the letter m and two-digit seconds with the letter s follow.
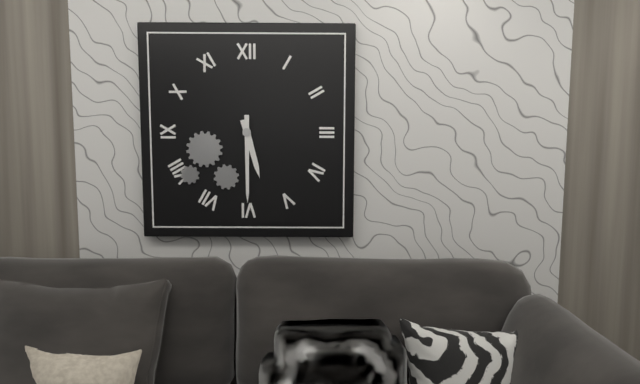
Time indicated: 5h30
